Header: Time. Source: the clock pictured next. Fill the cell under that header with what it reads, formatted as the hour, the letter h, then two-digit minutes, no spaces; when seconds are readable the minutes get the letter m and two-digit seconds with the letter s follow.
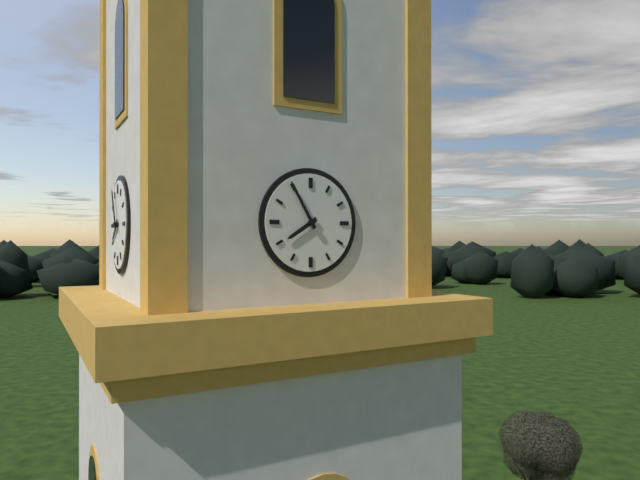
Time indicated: 7h55
